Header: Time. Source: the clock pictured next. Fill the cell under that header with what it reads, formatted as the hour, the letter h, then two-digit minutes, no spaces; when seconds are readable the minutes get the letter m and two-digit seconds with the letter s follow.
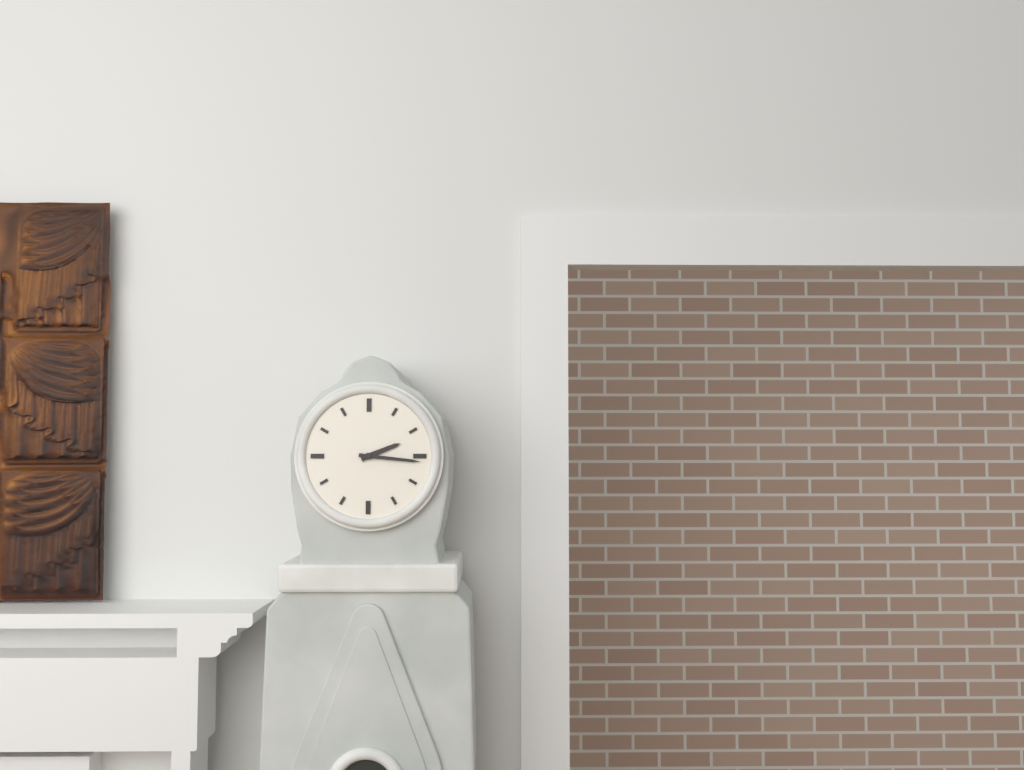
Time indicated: 2h16
